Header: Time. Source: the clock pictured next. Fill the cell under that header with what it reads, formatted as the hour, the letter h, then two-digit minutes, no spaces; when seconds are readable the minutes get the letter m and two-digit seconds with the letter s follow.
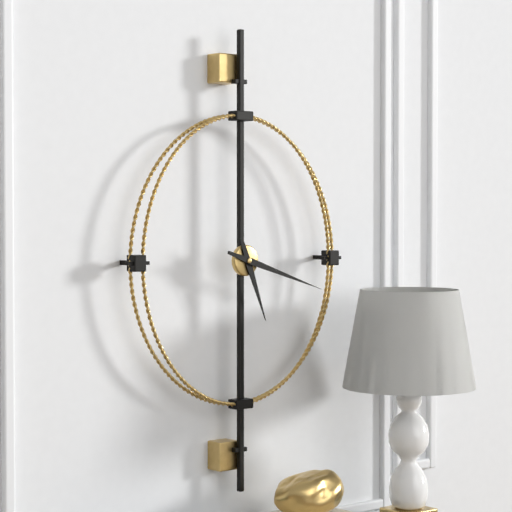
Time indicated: 5h18
